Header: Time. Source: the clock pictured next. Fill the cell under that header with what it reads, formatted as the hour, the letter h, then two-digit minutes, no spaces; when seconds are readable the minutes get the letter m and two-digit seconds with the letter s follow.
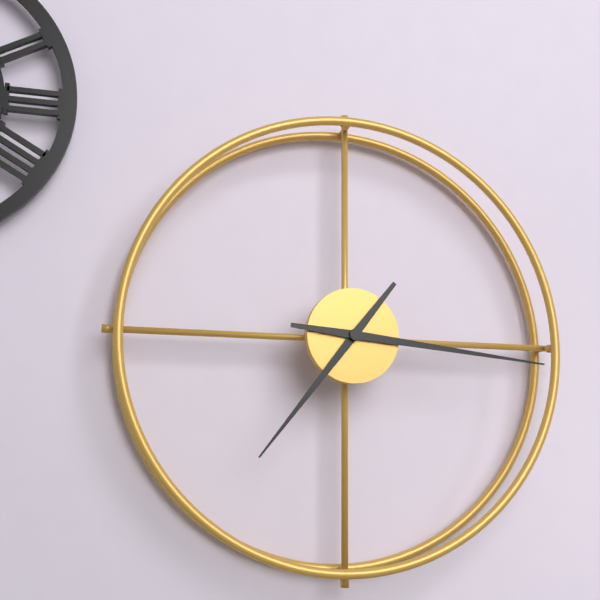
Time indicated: 7h16
